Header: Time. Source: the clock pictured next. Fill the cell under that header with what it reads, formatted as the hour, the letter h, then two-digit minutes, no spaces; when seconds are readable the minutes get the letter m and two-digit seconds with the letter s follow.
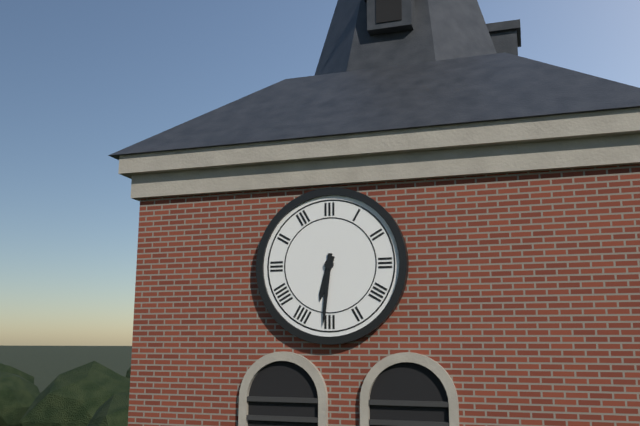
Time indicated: 6h31
